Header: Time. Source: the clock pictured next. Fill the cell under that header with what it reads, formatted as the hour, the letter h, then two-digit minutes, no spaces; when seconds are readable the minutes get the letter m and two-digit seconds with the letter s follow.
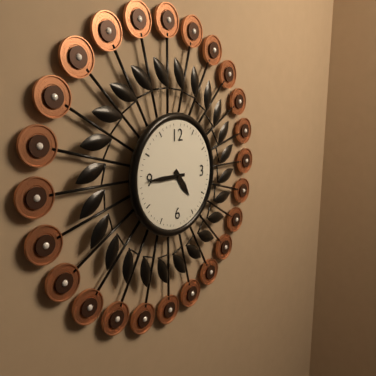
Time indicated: 4h45
